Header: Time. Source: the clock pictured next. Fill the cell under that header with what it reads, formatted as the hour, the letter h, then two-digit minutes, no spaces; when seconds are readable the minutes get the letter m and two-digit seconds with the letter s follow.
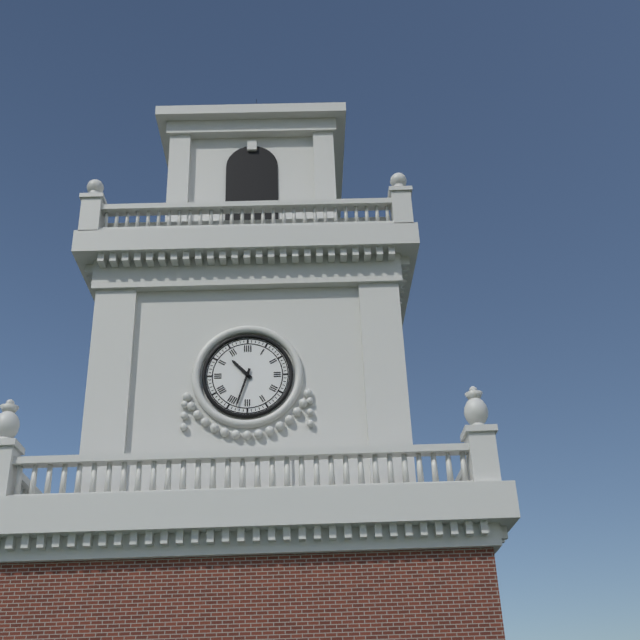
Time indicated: 10h33
